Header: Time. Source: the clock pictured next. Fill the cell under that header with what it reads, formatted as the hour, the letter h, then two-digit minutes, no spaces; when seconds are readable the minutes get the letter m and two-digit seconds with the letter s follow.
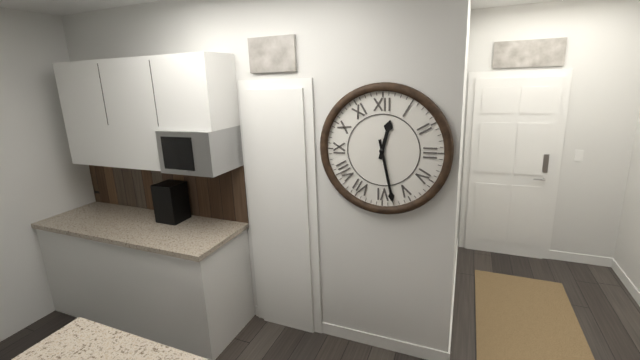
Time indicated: 12h28
